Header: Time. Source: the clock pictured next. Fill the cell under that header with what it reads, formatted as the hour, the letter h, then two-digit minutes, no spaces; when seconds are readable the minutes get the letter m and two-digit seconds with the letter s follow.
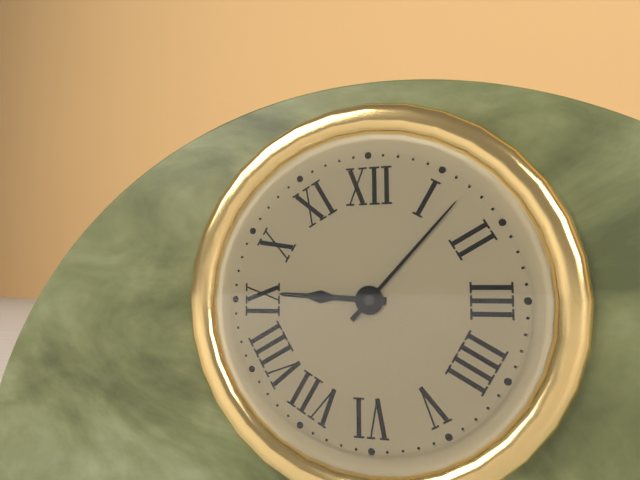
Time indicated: 9h07
